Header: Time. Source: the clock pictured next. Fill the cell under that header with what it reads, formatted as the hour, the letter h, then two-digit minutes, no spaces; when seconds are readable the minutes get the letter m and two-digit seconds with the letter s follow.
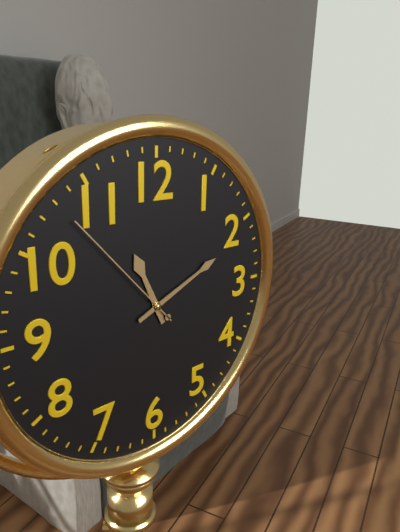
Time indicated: 11h11m53s
